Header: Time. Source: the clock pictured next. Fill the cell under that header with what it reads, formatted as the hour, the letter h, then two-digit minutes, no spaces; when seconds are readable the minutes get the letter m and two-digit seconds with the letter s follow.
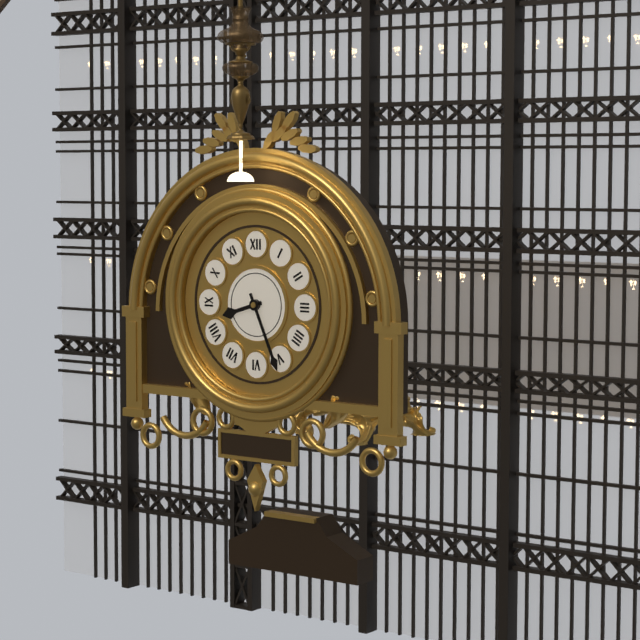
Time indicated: 8h26
